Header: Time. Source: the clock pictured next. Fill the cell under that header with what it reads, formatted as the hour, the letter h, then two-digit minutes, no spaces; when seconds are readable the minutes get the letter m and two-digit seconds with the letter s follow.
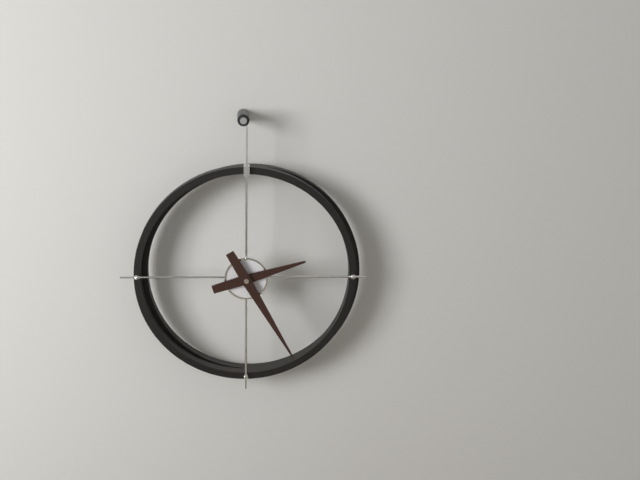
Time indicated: 2h25
